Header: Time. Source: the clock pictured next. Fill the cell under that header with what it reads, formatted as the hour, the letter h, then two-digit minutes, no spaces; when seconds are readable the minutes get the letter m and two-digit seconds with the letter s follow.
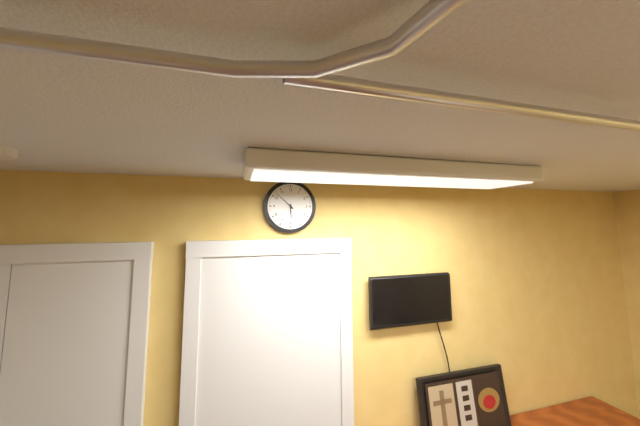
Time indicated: 5h52
